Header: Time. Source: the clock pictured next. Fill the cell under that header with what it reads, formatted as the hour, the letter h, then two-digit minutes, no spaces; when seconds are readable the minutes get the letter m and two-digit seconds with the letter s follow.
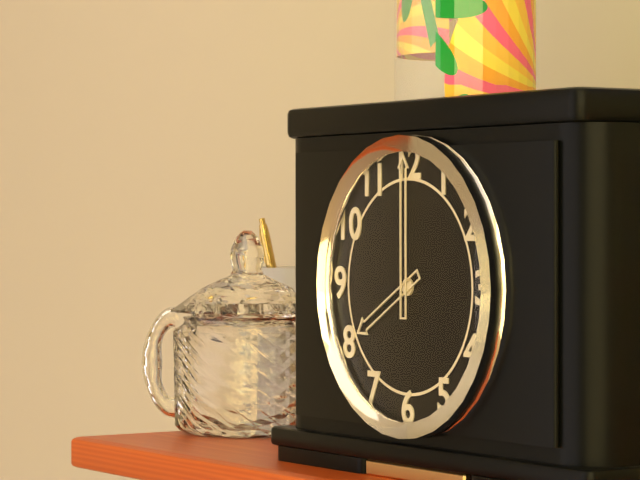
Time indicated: 8h00
